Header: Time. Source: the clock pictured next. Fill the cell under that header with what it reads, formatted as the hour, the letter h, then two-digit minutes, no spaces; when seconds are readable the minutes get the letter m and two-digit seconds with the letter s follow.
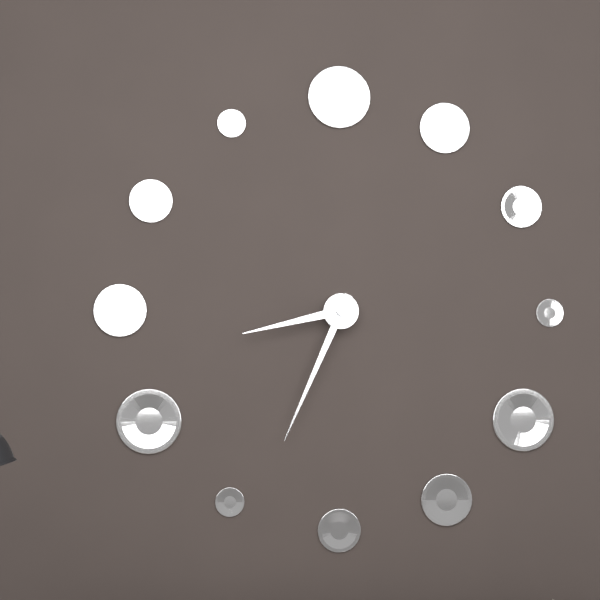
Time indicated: 8h34
